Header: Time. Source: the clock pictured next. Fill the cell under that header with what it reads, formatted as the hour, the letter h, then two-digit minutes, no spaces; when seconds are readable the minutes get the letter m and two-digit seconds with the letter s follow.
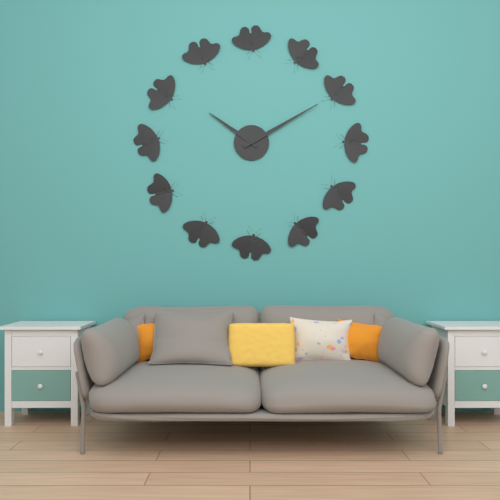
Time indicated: 10h10
